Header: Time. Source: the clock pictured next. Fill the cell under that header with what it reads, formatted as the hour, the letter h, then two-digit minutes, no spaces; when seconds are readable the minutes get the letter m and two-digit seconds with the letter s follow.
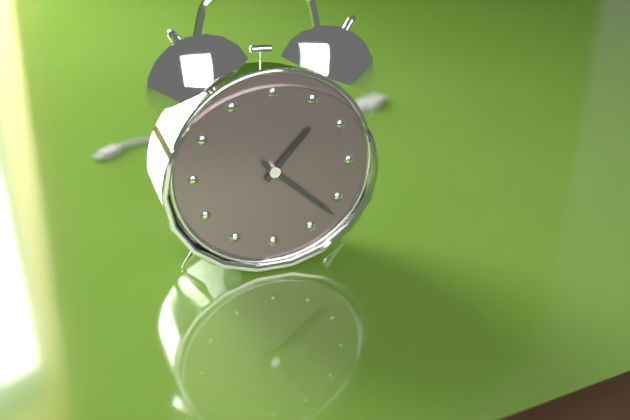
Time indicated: 1h22
